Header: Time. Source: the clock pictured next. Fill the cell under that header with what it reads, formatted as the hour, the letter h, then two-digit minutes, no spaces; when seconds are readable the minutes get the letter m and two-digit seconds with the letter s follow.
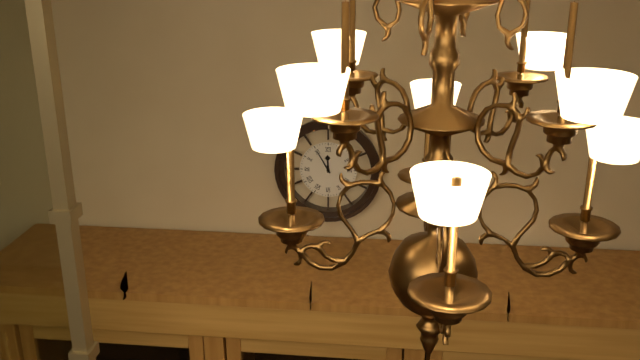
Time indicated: 11h55
